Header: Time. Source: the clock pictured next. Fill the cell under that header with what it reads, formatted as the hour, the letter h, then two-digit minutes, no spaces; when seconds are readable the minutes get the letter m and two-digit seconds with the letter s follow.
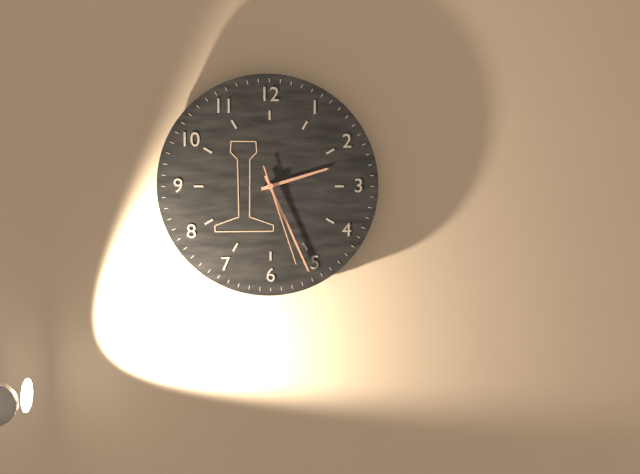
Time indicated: 2h26m27s
